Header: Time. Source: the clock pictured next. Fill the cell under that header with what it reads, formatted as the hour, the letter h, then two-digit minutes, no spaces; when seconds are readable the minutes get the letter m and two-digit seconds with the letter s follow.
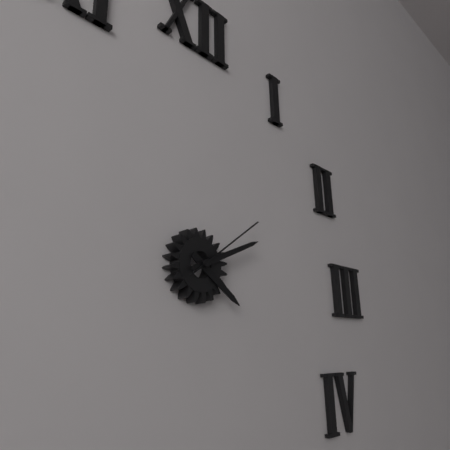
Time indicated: 4h11m09s
